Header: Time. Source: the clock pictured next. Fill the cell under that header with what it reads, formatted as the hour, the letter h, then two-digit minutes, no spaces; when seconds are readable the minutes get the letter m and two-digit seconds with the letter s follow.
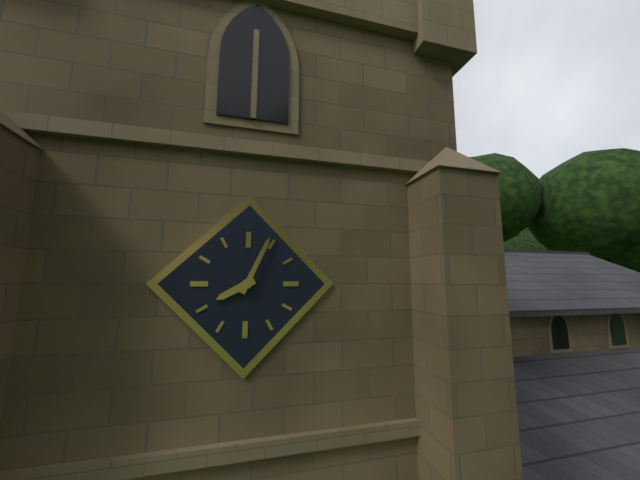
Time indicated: 8h04
